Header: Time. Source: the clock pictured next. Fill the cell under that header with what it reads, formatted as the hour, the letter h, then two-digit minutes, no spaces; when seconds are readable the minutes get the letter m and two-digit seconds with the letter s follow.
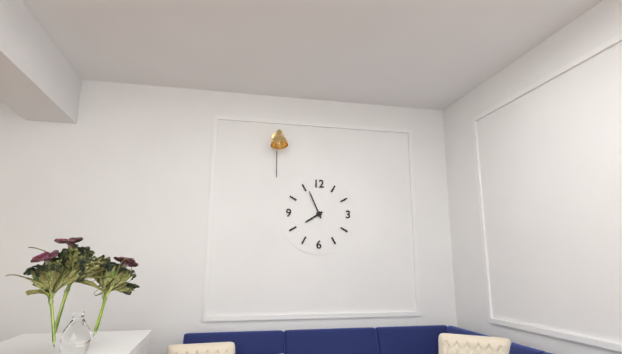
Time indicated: 7h56
